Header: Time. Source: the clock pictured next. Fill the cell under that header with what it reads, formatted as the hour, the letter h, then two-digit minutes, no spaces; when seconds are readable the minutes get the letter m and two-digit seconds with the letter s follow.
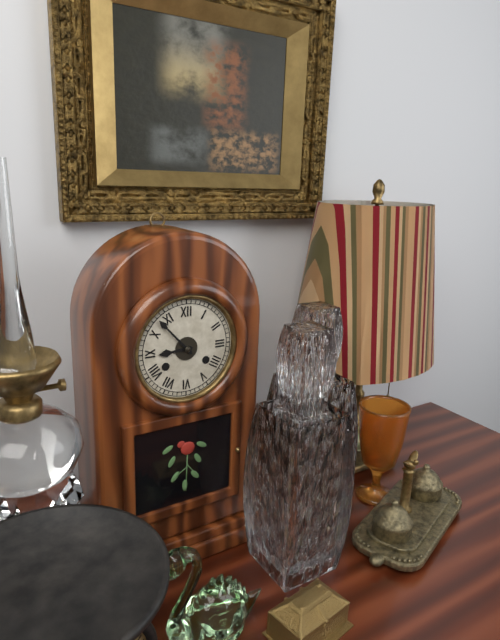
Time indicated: 8h53
